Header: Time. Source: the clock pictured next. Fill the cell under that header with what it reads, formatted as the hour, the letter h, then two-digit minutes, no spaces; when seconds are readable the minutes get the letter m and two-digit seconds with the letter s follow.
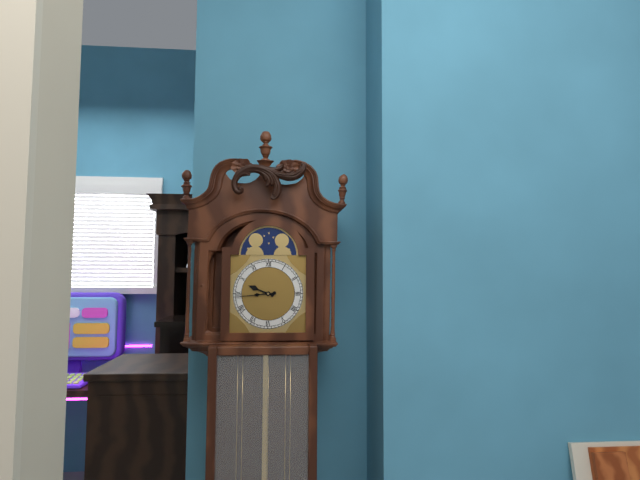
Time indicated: 9h44
